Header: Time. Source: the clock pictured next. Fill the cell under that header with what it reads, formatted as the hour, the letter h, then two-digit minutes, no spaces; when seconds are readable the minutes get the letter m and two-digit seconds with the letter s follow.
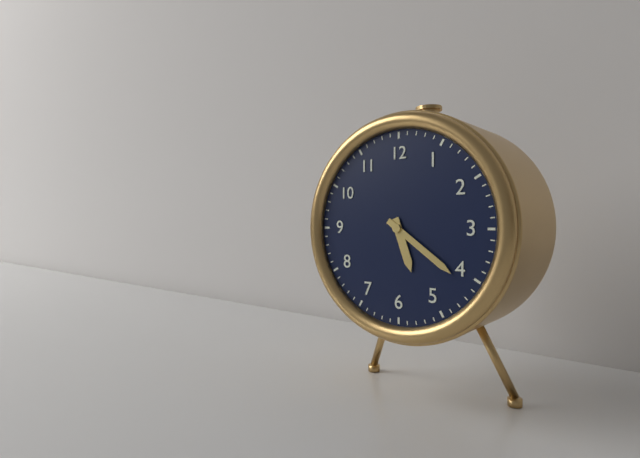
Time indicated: 5h21
